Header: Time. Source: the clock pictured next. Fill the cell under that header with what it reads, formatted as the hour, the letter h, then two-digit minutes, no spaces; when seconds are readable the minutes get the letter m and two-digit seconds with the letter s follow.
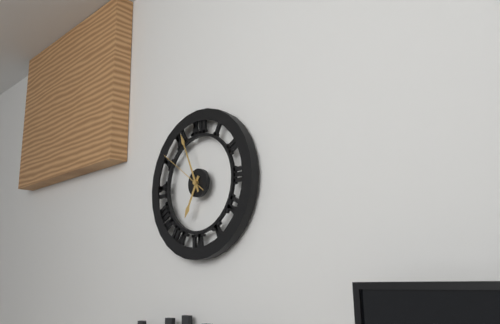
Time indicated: 6h56m51s
